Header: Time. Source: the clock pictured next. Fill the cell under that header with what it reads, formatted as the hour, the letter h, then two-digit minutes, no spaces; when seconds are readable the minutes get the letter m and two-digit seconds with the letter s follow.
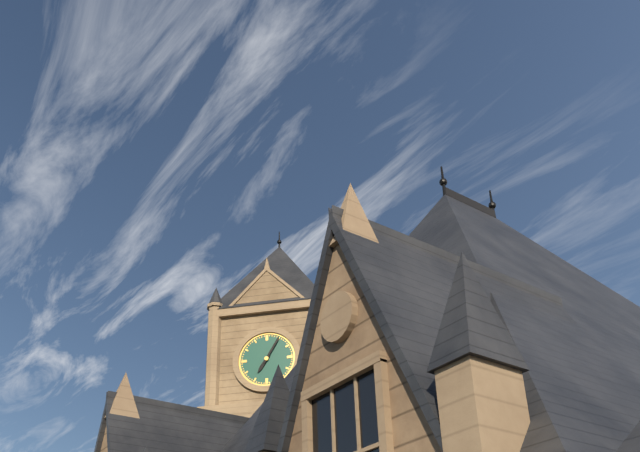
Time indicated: 7h05
